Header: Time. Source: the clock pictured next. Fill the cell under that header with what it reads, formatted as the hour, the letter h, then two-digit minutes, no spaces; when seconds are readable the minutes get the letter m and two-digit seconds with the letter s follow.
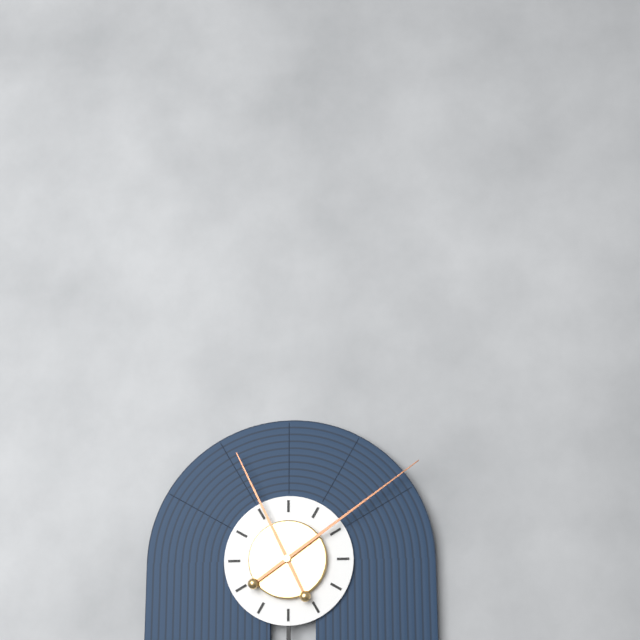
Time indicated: 11h09
